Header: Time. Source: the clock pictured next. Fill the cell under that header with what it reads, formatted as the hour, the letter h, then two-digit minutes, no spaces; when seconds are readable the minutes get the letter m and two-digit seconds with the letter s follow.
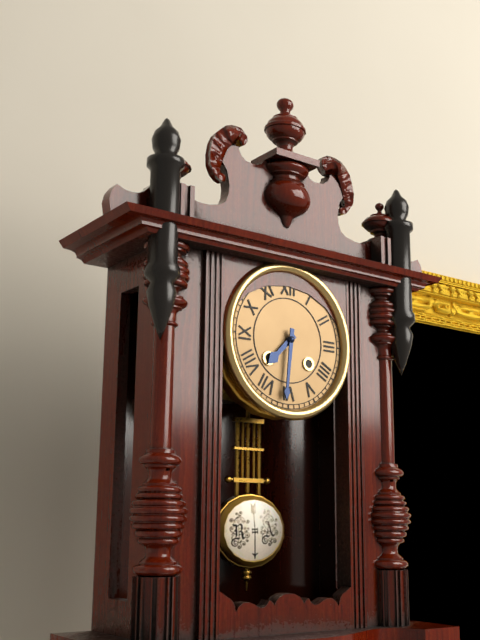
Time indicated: 7h31
